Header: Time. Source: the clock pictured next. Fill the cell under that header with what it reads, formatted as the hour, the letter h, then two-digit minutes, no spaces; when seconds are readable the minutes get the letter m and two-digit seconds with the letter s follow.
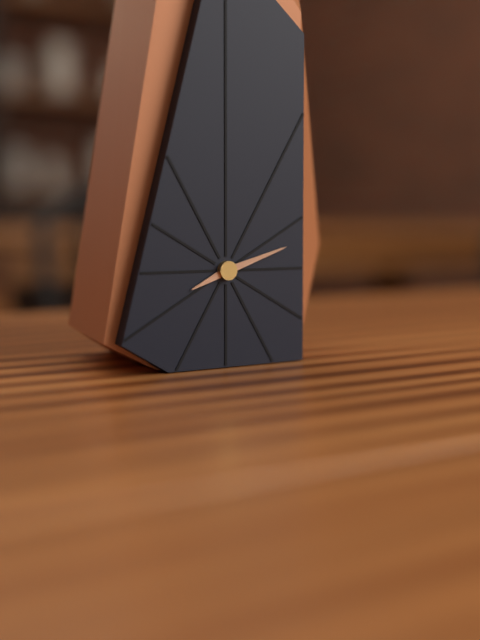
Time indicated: 8h12
